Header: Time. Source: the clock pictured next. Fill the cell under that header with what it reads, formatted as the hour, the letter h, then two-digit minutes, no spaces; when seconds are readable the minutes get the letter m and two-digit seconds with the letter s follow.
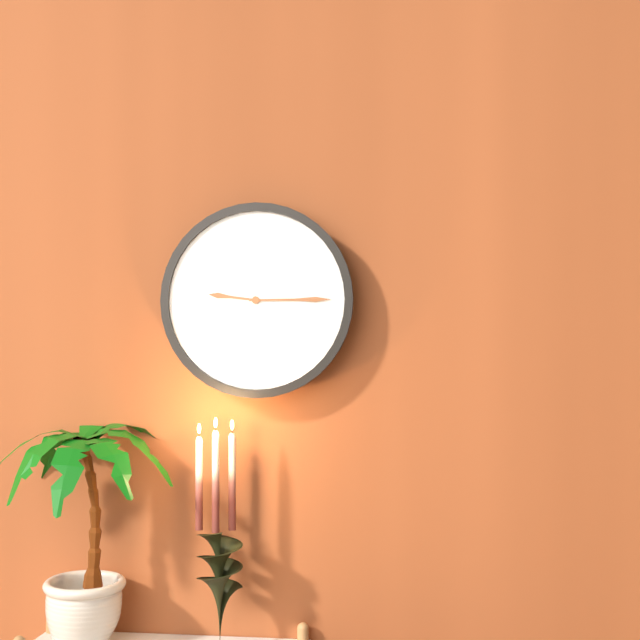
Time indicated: 9h15
